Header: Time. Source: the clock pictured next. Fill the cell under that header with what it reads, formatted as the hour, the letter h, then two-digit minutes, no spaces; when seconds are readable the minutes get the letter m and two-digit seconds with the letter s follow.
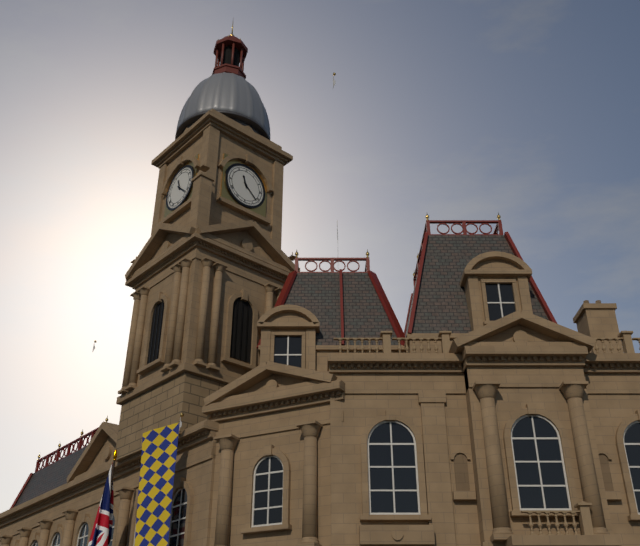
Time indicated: 11h22
